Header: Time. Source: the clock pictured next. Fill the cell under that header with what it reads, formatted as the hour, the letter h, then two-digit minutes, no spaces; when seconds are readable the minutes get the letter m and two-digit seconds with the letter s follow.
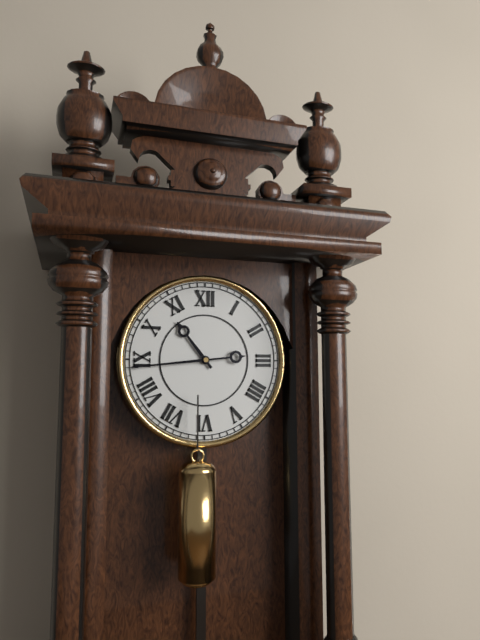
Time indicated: 10h44
